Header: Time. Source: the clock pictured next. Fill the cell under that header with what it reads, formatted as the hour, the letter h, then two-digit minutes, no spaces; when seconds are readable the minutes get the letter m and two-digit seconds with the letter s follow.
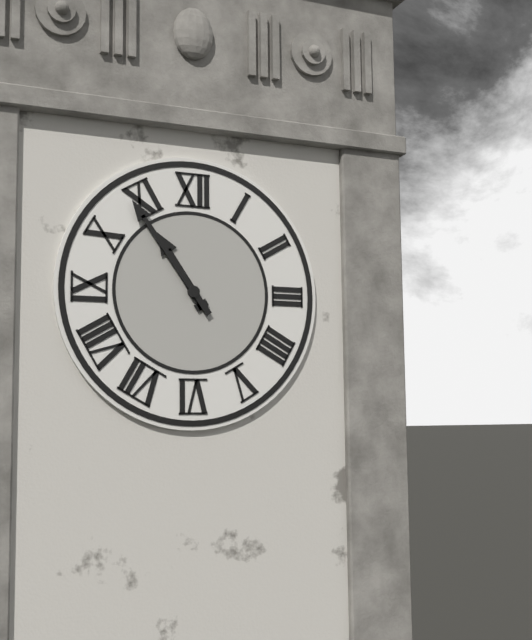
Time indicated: 10h54
